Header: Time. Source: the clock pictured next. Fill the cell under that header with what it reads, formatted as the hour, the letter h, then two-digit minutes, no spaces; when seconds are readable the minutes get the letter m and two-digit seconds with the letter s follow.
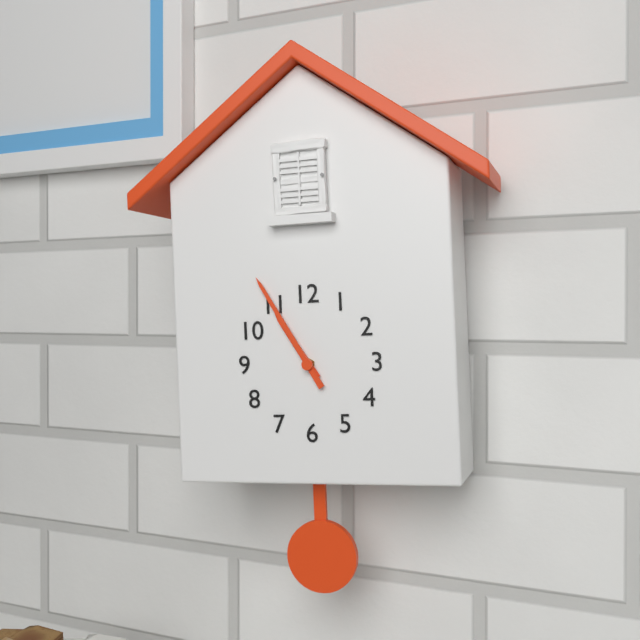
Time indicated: 10h55
